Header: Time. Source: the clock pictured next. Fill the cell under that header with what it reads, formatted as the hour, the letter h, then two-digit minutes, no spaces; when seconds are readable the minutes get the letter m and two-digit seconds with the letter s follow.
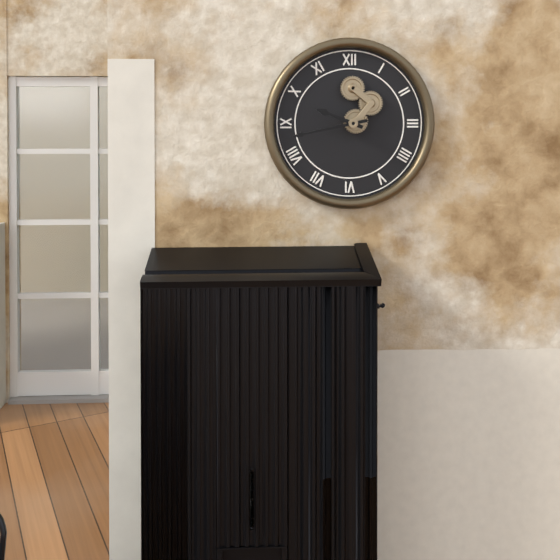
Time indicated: 9h43
